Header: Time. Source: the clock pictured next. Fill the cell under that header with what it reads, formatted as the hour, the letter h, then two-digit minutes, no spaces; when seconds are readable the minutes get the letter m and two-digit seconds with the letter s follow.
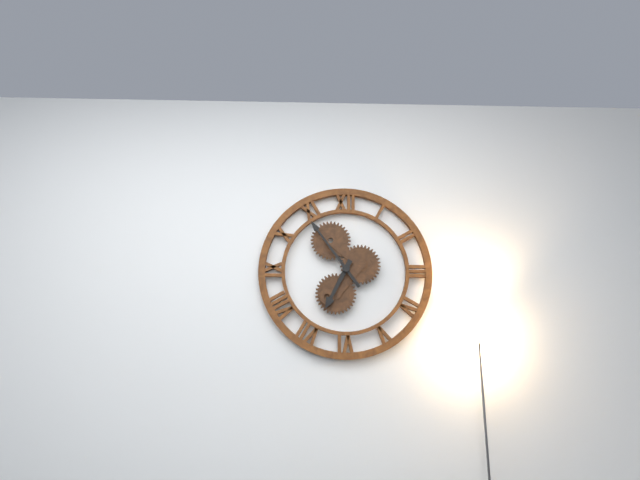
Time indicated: 6h54
